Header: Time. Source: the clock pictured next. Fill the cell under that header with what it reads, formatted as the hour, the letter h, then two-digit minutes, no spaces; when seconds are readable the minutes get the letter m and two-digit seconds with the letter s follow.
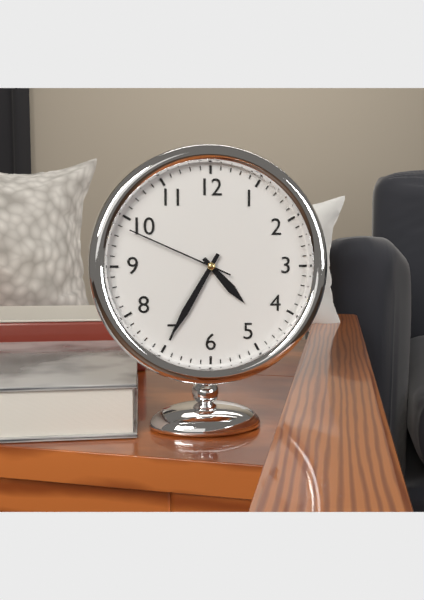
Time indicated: 4h35m49s
